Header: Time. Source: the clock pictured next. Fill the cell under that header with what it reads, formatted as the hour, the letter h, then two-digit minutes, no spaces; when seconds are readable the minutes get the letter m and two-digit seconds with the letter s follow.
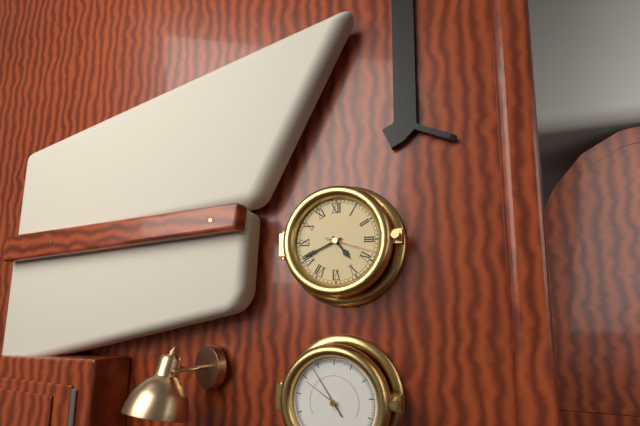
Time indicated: 4h41
